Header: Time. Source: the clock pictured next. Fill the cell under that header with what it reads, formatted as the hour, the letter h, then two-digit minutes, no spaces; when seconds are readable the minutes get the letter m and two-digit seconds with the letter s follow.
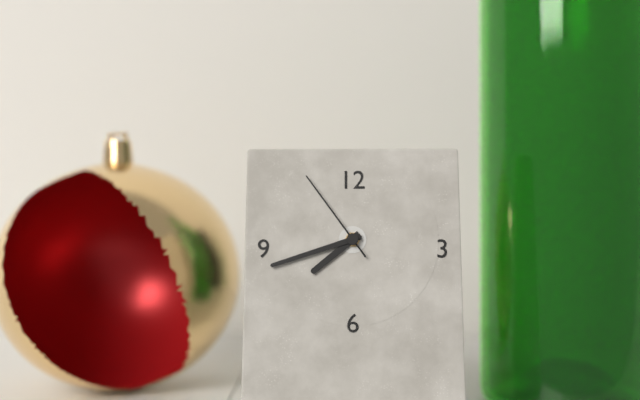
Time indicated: 7h42m54s
